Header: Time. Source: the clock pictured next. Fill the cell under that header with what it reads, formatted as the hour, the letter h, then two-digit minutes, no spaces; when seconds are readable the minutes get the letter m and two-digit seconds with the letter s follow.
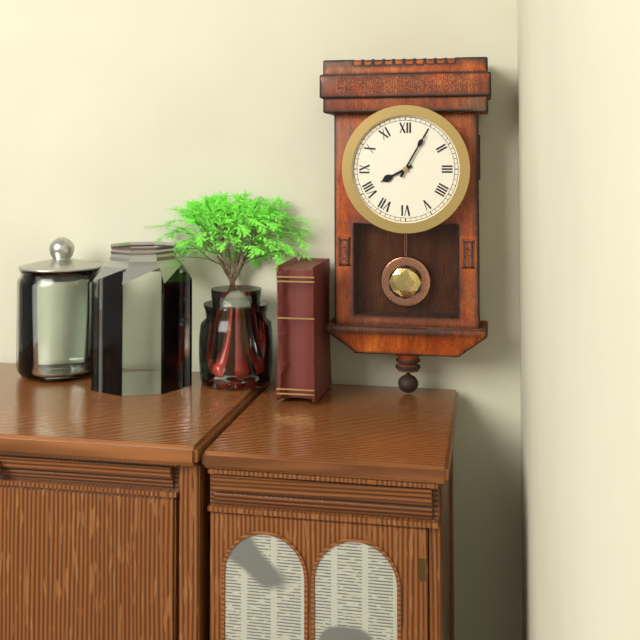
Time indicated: 8h05
